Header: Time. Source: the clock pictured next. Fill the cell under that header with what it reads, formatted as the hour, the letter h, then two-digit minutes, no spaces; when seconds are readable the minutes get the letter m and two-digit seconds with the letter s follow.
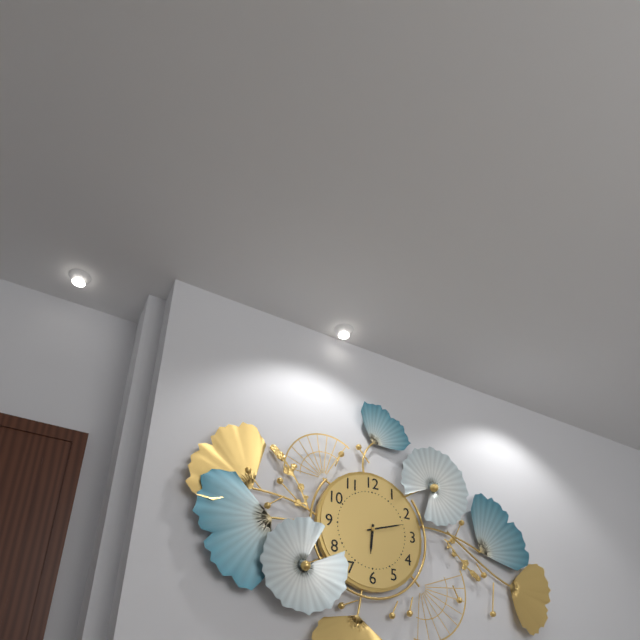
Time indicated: 6h12
